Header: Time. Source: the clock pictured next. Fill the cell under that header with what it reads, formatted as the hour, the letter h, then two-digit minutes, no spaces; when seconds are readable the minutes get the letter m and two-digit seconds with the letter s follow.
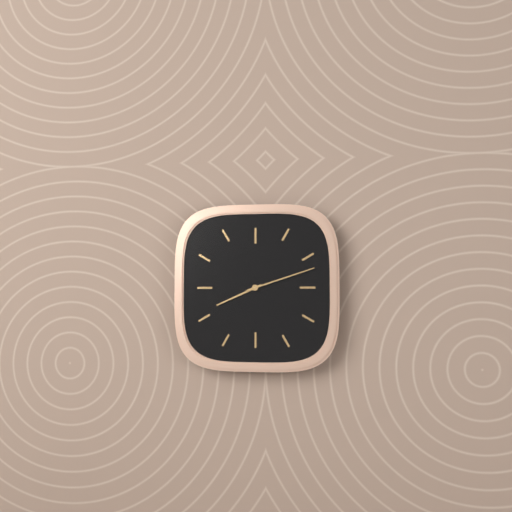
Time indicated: 8h12
